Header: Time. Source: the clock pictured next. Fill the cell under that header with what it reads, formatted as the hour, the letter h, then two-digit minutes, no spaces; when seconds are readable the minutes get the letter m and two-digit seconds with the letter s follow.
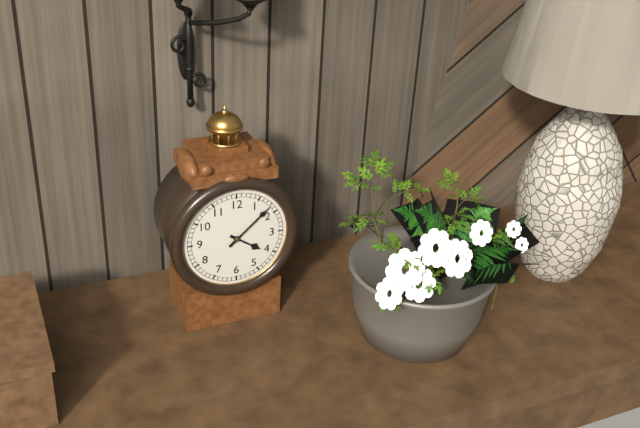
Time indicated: 4h08
